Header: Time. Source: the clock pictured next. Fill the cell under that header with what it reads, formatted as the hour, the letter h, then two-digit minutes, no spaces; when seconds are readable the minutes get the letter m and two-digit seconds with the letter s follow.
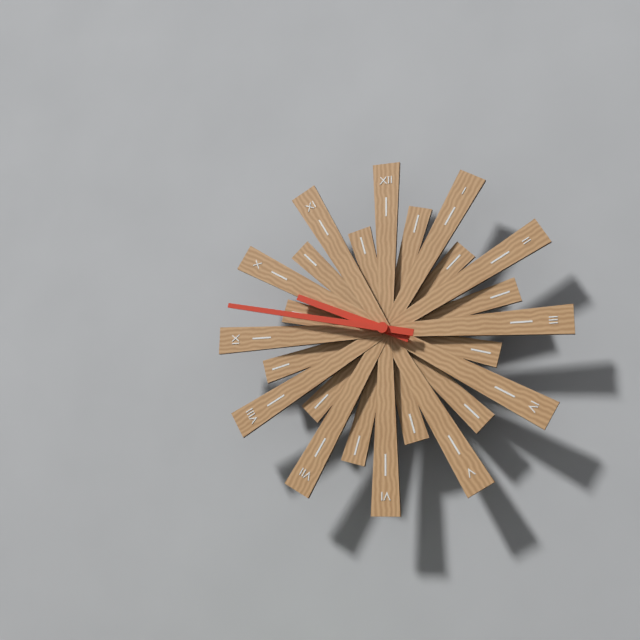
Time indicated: 9h47
